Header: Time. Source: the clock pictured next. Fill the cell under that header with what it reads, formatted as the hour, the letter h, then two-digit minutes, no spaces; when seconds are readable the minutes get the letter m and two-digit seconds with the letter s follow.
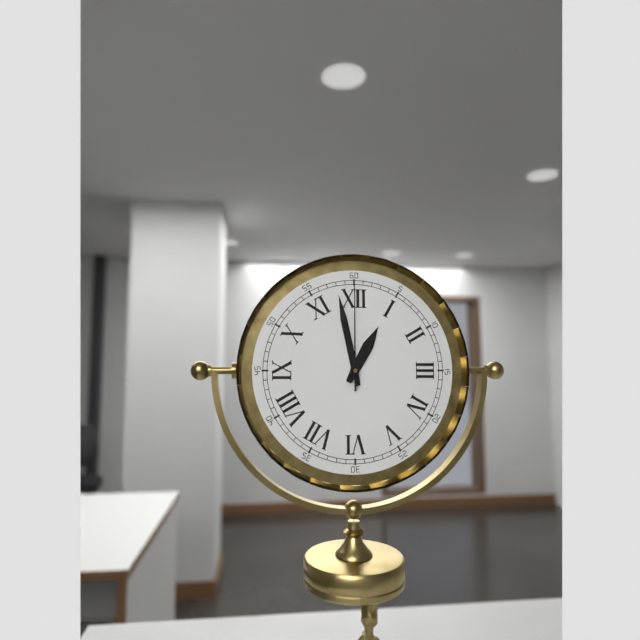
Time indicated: 12h58m00s
